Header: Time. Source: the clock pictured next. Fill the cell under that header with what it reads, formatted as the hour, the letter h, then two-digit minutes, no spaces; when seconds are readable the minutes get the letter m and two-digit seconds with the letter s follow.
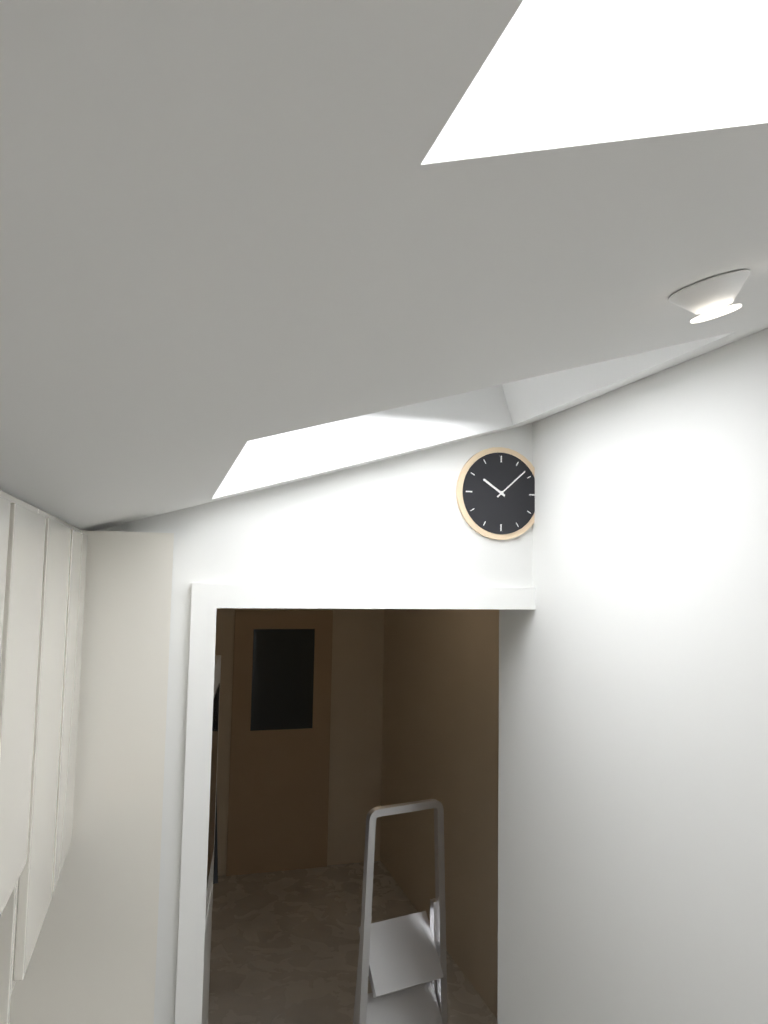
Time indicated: 10h08
